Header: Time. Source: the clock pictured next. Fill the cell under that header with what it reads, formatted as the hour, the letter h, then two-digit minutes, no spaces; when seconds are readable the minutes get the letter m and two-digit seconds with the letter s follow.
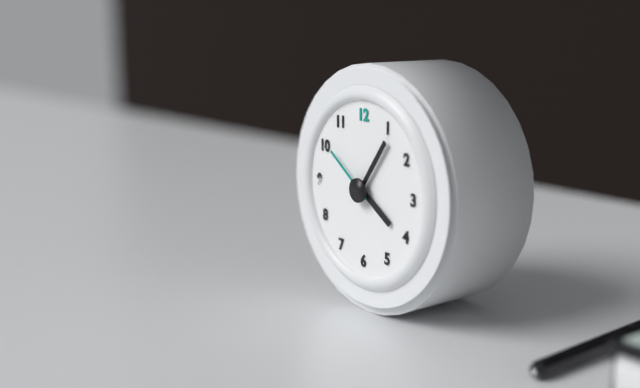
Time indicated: 4h06m51s
